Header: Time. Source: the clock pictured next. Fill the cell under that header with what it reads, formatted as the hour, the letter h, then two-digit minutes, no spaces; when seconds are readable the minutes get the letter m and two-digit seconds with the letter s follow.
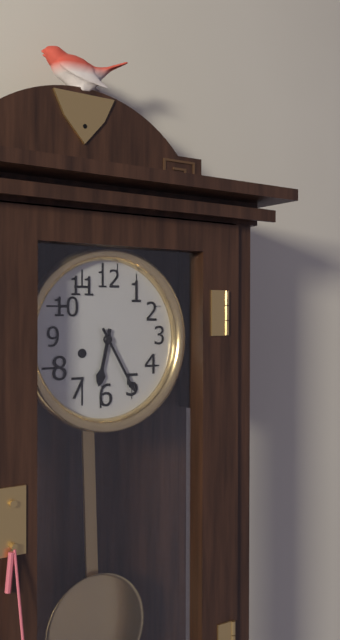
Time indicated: 6h25
